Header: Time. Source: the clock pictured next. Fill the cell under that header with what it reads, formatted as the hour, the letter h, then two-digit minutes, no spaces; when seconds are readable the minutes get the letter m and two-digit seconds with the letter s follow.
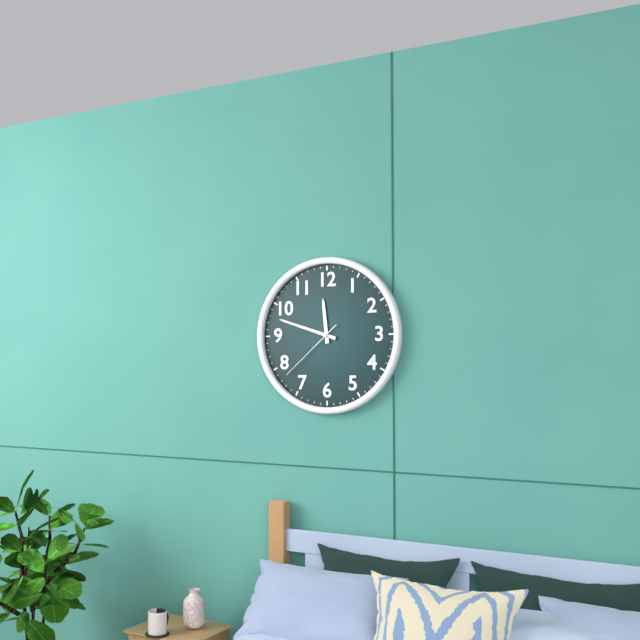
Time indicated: 11h48m38s
